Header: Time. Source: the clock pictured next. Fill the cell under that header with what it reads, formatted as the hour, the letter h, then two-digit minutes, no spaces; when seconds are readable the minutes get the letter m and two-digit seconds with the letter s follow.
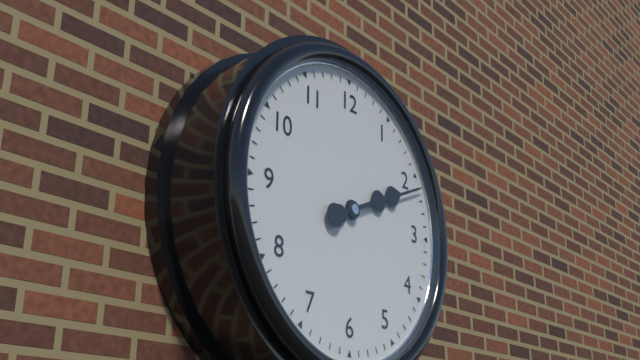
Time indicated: 2h11
